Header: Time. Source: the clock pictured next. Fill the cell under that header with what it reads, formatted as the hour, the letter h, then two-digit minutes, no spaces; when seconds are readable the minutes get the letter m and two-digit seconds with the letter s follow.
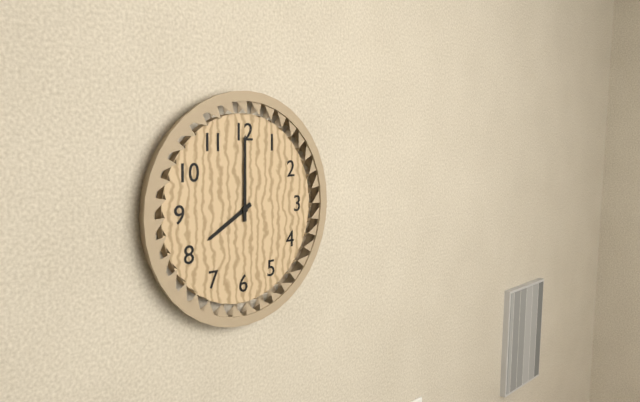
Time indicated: 8h00
